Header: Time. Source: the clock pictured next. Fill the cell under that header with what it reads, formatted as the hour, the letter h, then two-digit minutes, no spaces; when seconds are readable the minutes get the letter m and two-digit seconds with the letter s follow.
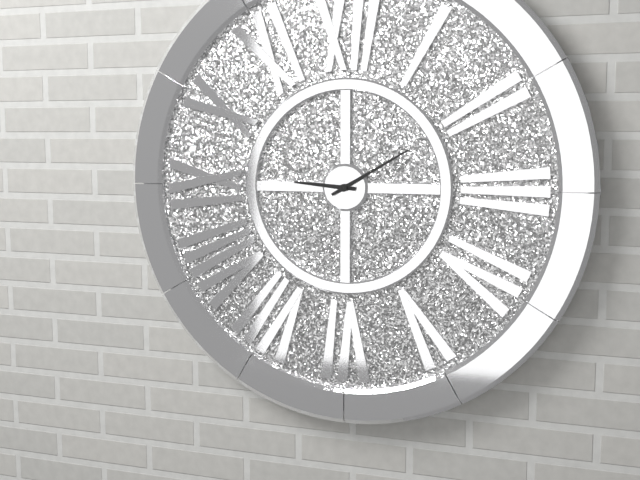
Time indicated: 9h10
